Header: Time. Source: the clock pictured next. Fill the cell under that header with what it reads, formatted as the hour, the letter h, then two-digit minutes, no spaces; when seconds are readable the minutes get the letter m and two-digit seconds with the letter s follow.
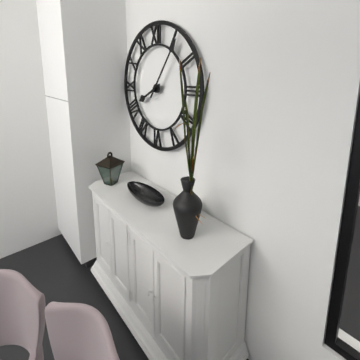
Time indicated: 8h06
